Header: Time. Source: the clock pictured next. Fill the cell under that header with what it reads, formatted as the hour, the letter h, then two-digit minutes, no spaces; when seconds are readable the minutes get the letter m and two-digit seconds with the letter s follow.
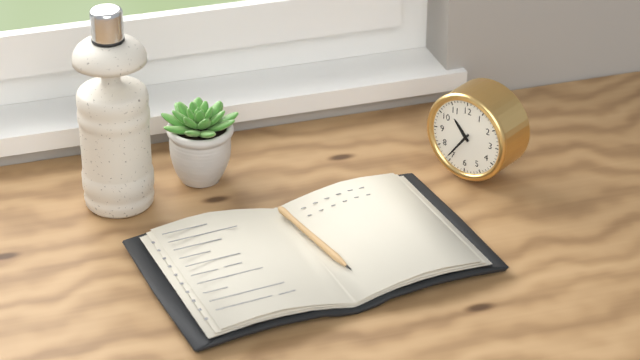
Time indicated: 10h36
